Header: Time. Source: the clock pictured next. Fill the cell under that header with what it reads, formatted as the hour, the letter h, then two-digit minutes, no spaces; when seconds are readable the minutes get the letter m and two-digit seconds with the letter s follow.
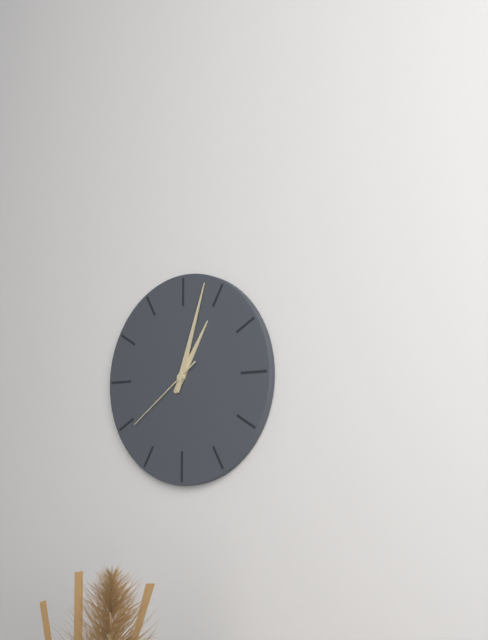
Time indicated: 1h03m39s
